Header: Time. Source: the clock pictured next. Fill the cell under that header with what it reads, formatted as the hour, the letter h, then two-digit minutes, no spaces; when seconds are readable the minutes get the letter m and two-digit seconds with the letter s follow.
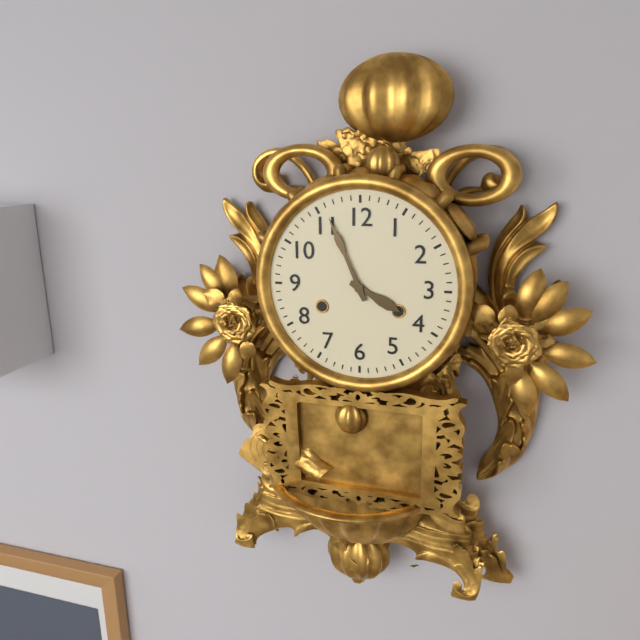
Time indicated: 3h56
